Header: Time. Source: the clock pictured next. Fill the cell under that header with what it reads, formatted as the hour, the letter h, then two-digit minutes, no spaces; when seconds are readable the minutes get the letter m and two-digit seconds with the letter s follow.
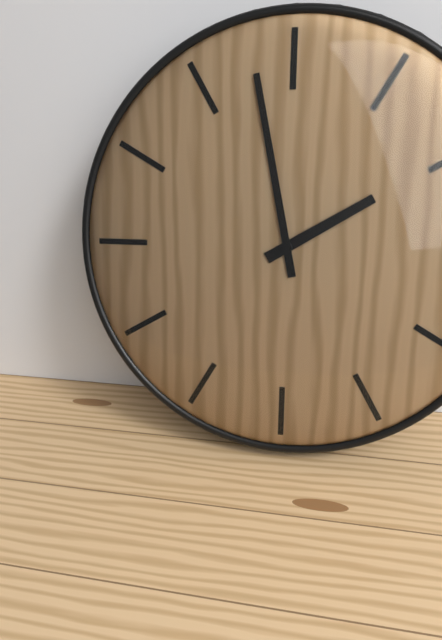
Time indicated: 1h58
